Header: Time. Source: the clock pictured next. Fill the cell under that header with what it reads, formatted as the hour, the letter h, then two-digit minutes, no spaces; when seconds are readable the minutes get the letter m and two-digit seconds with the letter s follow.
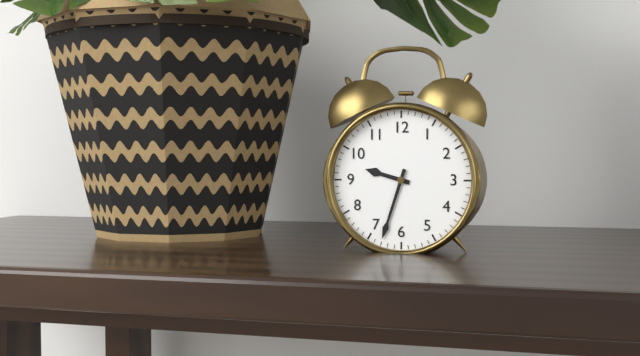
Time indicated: 9h33
